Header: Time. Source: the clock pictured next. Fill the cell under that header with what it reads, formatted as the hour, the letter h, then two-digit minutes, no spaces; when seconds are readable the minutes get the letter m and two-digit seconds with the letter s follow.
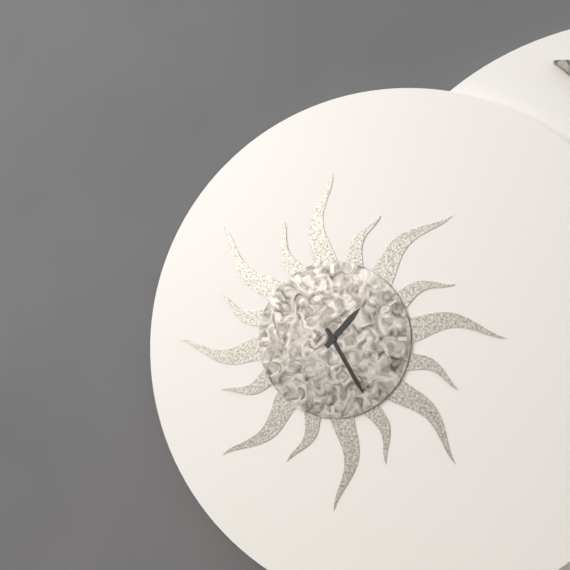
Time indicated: 1h25
